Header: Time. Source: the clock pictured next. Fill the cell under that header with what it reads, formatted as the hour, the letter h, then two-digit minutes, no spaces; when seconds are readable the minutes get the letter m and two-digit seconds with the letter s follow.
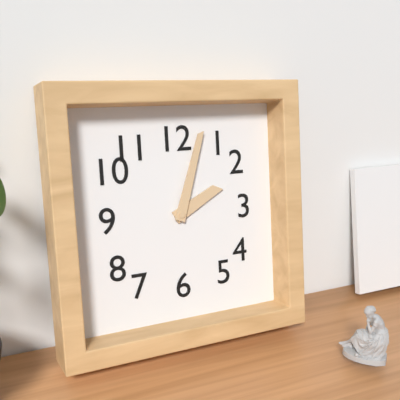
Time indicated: 2h03
